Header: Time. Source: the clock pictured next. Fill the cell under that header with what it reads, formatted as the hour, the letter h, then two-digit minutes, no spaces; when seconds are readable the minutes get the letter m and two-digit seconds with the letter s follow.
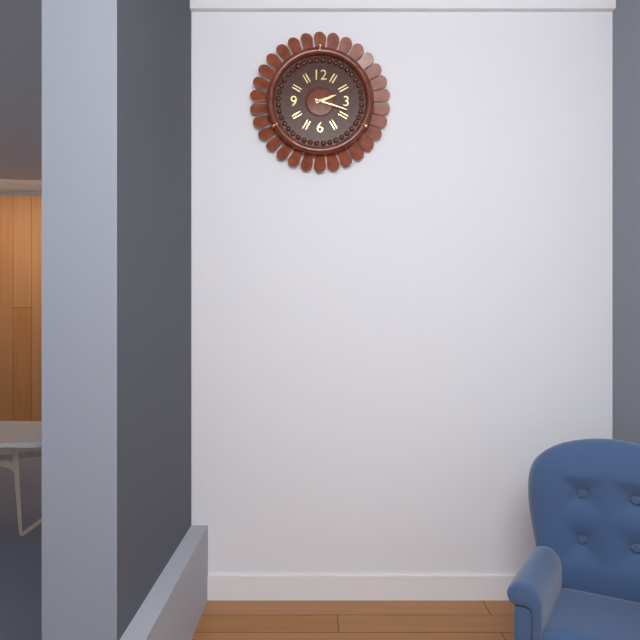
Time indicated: 2h18
